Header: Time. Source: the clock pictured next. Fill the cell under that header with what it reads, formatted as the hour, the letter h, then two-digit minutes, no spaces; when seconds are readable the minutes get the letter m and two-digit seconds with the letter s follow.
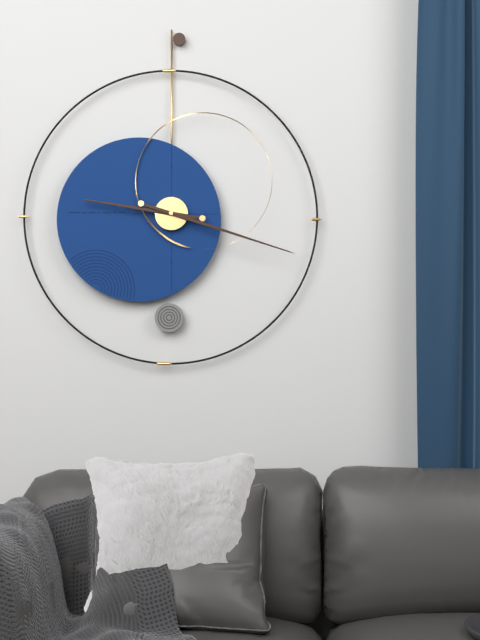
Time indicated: 9h18
